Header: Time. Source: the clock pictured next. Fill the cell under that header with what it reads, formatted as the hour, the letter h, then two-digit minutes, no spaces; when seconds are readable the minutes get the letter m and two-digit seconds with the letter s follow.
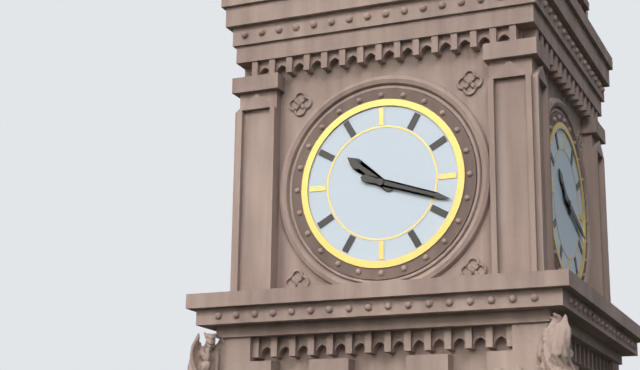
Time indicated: 10h18
